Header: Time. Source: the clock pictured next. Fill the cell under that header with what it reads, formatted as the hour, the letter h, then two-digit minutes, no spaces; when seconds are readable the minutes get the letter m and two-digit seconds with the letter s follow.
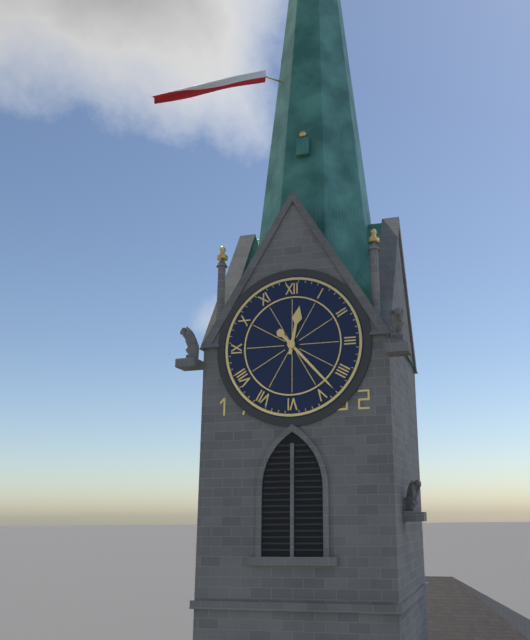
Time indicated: 12h23
